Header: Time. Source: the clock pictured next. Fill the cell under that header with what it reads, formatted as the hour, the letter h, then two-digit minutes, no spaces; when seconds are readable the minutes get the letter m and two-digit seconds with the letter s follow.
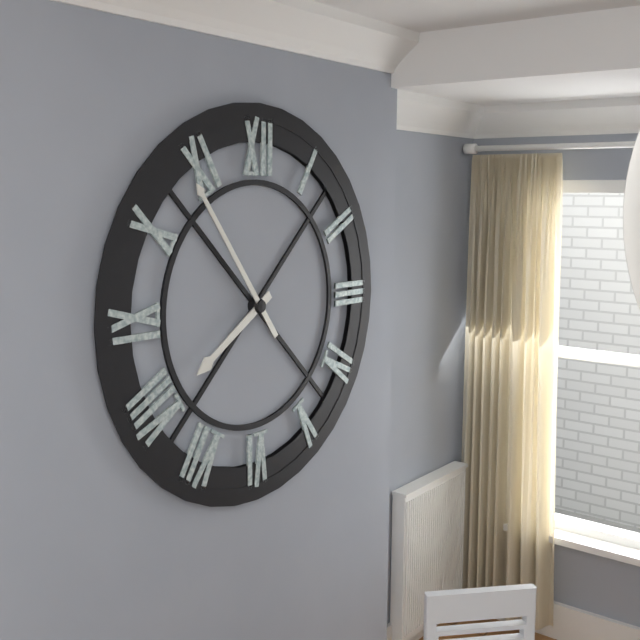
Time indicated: 7h54
